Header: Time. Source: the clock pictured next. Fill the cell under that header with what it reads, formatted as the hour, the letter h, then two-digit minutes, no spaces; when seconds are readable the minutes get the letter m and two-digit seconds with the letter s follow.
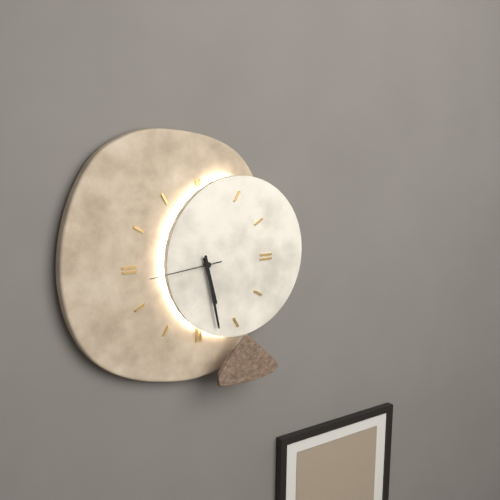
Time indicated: 5h28m44s
